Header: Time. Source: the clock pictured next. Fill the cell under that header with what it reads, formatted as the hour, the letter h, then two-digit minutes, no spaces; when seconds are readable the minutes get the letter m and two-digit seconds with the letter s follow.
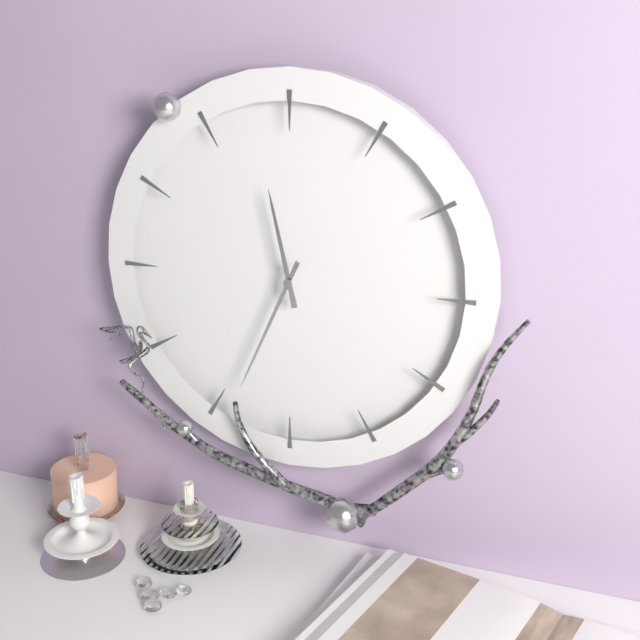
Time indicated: 11h34
